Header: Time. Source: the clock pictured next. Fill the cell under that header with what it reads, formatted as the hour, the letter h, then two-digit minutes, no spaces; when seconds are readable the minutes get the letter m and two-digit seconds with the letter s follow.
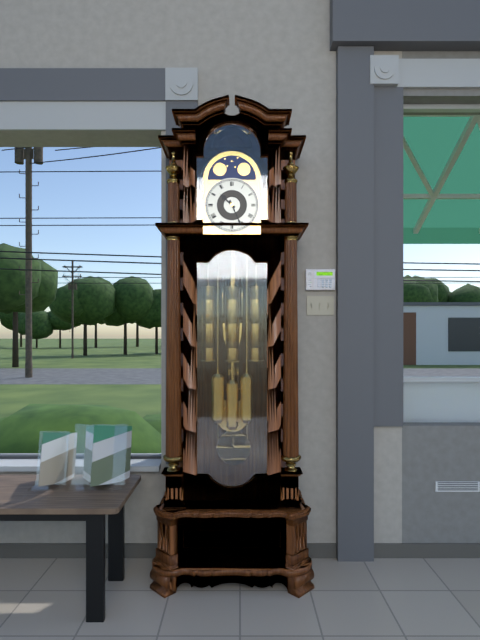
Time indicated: 10h26
